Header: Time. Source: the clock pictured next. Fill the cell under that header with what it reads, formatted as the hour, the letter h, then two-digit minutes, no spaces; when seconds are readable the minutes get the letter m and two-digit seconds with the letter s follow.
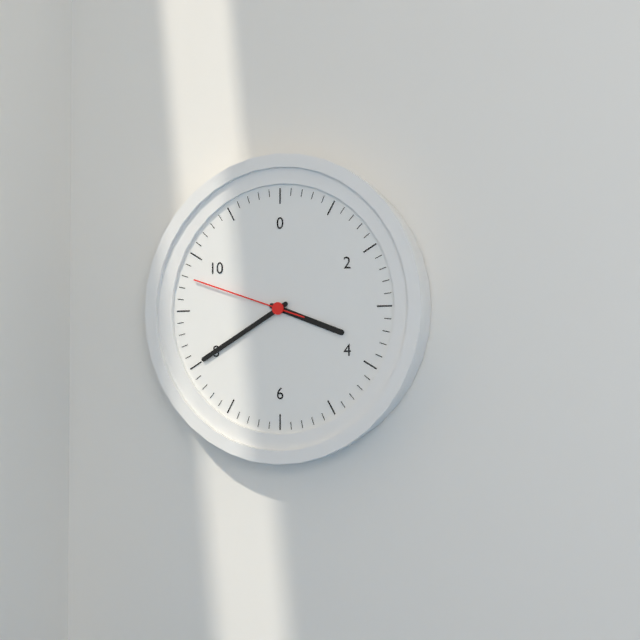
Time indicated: 3h40m48s
